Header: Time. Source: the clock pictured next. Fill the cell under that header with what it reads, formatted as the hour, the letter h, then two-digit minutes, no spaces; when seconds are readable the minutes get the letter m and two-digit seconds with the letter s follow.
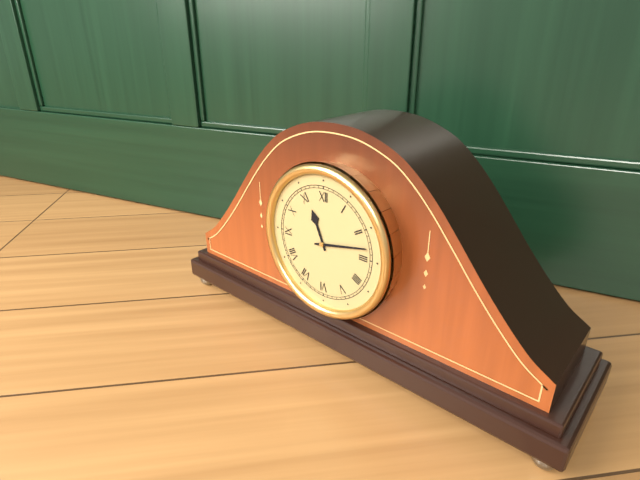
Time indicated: 11h13
